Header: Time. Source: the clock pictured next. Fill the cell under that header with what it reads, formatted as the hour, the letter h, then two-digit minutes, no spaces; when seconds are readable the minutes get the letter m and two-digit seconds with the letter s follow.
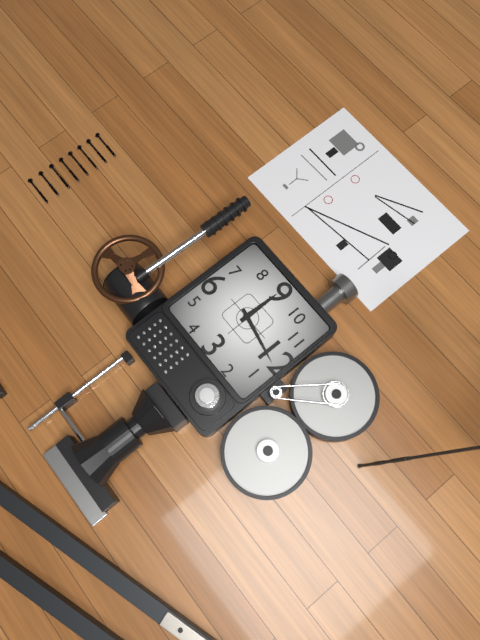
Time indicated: 9h02
